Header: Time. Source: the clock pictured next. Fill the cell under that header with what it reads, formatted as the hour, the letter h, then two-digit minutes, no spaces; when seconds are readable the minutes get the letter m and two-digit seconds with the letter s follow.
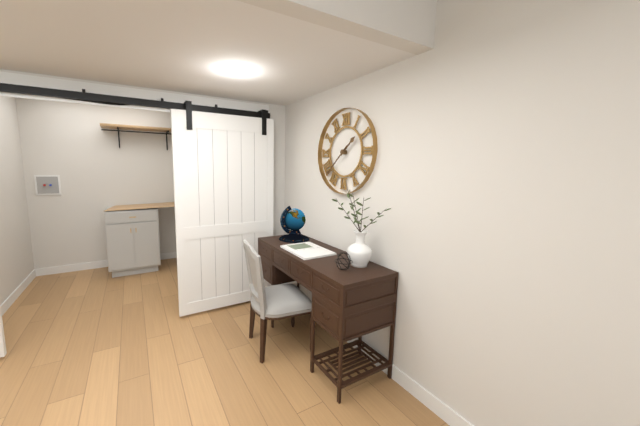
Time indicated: 1h38
